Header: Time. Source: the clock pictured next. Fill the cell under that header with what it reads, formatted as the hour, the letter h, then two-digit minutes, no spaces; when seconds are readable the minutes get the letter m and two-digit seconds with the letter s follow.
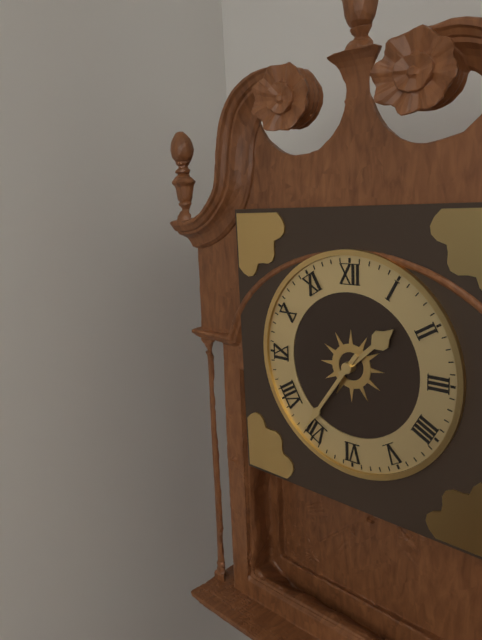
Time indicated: 1h36
